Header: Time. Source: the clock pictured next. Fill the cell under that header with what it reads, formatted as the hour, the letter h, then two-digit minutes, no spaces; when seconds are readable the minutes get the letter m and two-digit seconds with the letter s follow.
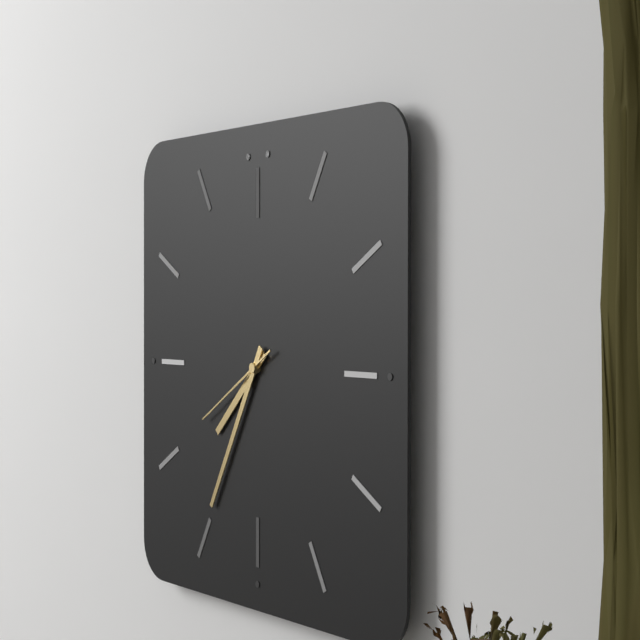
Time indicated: 7h35m40s
